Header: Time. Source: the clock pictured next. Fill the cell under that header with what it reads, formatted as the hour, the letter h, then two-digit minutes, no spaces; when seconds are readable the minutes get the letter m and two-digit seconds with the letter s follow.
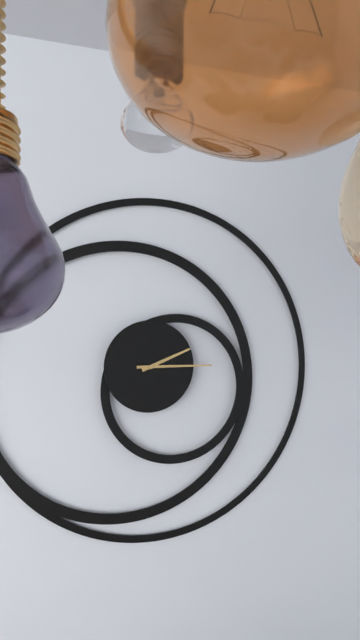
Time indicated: 2h15
